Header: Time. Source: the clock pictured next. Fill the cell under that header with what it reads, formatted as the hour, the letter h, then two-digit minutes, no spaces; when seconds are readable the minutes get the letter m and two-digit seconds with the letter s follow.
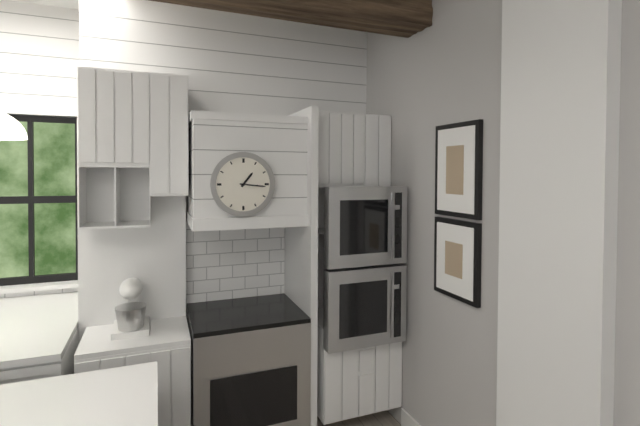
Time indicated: 1h16
